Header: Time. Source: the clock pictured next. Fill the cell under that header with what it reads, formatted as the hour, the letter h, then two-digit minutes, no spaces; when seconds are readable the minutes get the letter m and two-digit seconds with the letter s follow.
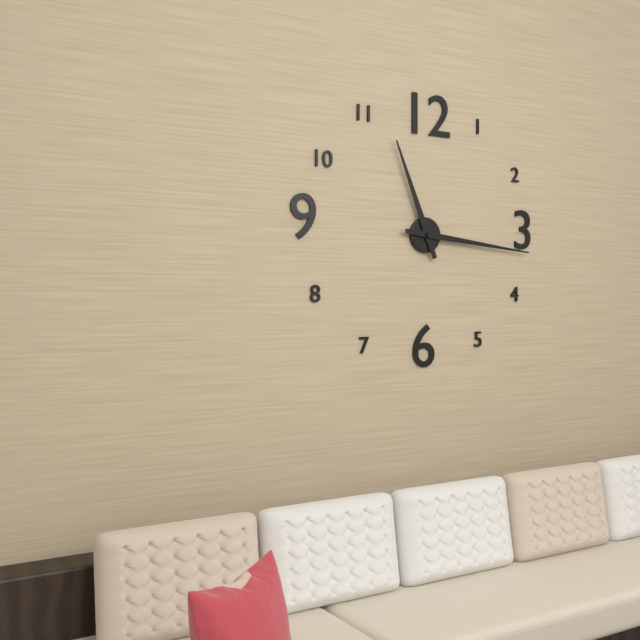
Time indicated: 11h16
